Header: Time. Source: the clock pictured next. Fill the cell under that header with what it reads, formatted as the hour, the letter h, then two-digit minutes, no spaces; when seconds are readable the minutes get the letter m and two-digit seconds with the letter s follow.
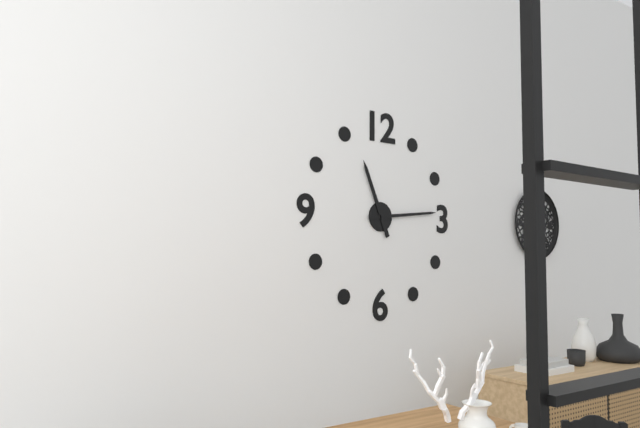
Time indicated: 11h14
